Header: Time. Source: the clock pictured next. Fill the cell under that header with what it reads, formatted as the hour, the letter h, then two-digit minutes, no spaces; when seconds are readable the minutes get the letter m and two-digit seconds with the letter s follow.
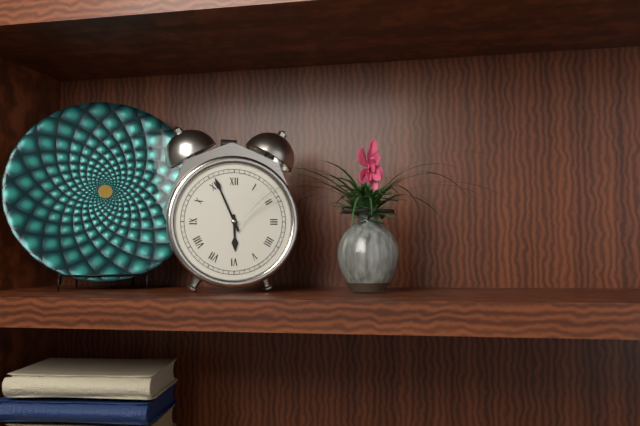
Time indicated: 5h56
